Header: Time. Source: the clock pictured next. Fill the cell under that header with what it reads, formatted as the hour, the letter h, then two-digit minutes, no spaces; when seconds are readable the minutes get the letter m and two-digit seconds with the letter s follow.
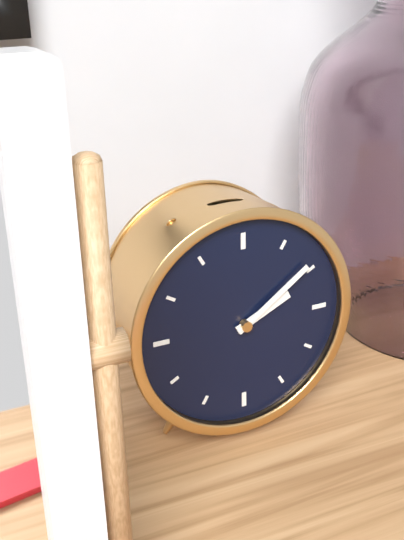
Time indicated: 2h09
